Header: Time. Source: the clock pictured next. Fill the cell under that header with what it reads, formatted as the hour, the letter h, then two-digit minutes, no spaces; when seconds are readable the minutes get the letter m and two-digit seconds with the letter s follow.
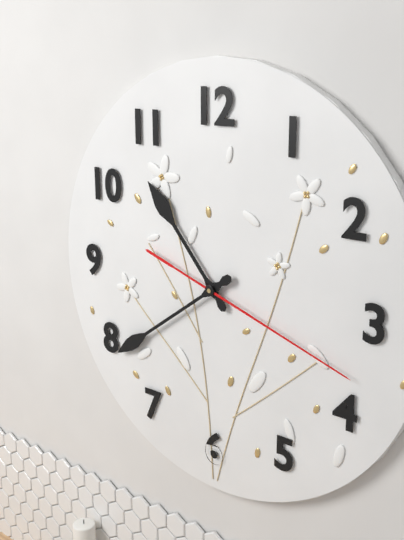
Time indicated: 10h39m18s
